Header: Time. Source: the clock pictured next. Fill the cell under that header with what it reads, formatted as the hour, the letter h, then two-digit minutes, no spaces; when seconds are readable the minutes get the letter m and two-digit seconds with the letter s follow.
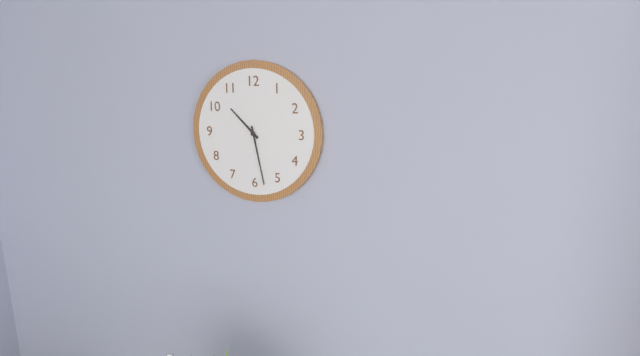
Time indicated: 10h28
